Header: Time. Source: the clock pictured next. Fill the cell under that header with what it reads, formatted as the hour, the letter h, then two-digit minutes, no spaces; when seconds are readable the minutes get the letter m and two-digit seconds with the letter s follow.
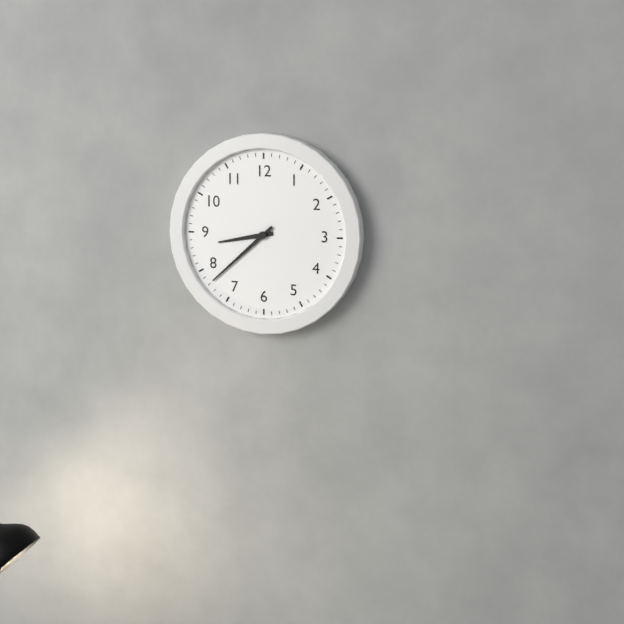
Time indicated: 8h38
